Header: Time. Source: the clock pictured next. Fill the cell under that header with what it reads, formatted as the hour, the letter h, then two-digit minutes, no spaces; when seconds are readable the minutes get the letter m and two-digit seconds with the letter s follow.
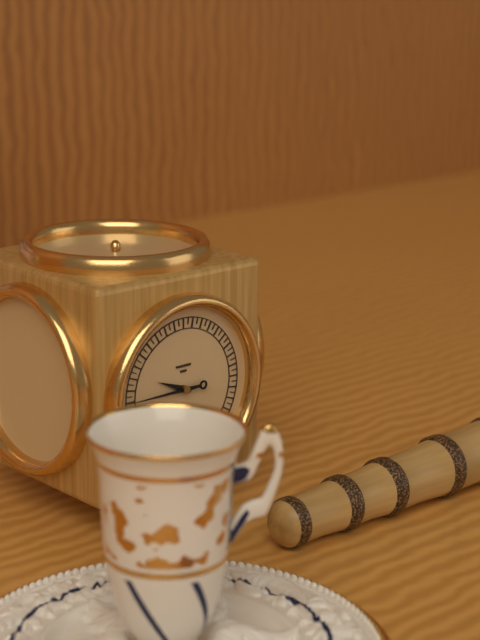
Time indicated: 9h45
